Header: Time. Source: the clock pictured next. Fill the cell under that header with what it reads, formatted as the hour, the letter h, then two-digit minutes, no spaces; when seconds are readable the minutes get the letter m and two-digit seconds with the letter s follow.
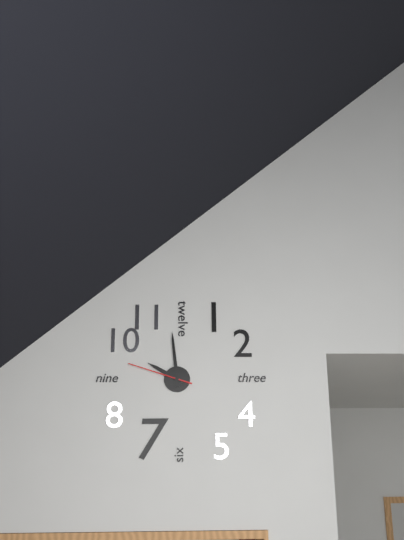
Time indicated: 9h59m48s
